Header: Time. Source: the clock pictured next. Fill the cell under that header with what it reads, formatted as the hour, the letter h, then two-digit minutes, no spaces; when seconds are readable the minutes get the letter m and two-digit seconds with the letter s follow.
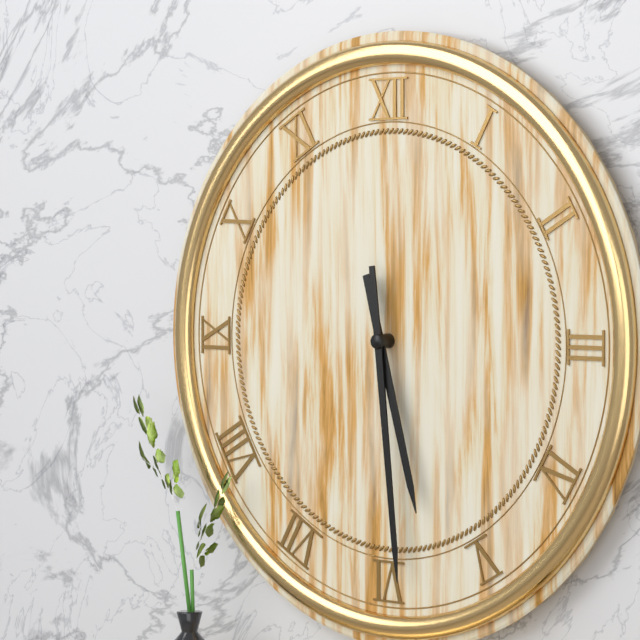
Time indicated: 5h29
